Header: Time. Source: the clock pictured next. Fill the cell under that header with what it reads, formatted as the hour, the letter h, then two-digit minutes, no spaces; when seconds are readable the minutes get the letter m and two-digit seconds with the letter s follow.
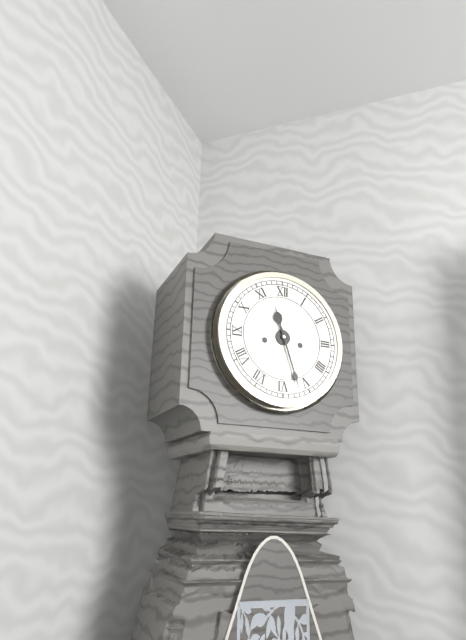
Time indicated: 11h27
